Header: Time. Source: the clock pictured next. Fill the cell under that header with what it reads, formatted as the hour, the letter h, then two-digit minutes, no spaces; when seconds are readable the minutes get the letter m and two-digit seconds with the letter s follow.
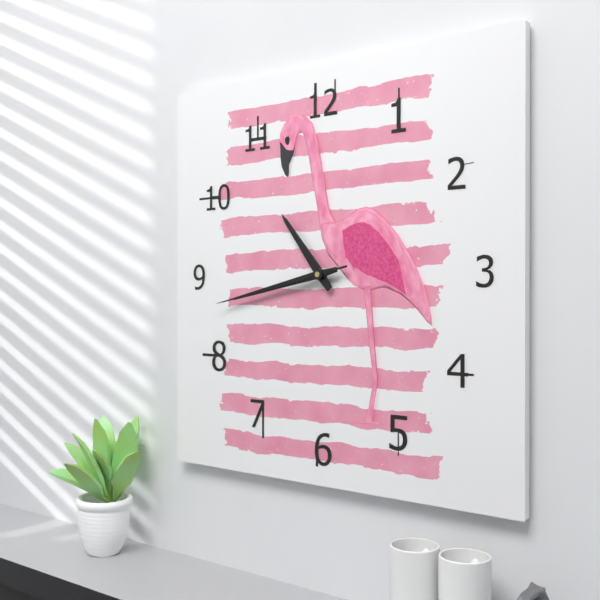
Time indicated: 10h43m43s
